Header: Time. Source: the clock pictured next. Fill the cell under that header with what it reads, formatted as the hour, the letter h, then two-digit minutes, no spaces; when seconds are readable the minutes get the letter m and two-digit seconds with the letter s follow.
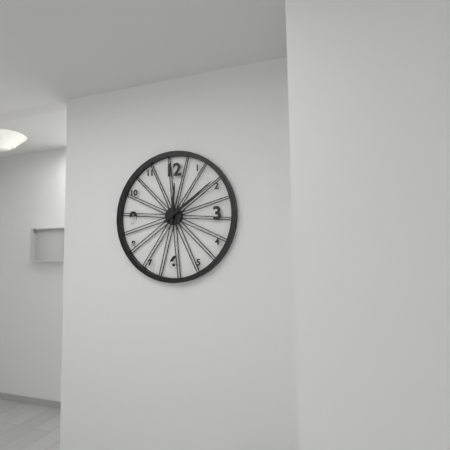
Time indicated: 12h09
